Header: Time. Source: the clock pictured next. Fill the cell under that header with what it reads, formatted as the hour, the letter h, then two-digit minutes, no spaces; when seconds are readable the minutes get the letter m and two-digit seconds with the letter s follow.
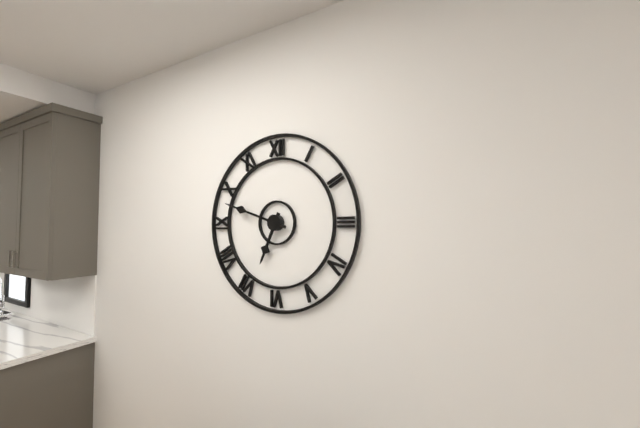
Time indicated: 6h48
